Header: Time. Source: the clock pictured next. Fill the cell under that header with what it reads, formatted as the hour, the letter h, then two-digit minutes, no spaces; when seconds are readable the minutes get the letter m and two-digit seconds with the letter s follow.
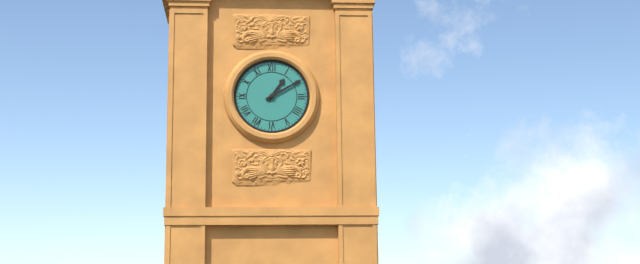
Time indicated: 1h10
